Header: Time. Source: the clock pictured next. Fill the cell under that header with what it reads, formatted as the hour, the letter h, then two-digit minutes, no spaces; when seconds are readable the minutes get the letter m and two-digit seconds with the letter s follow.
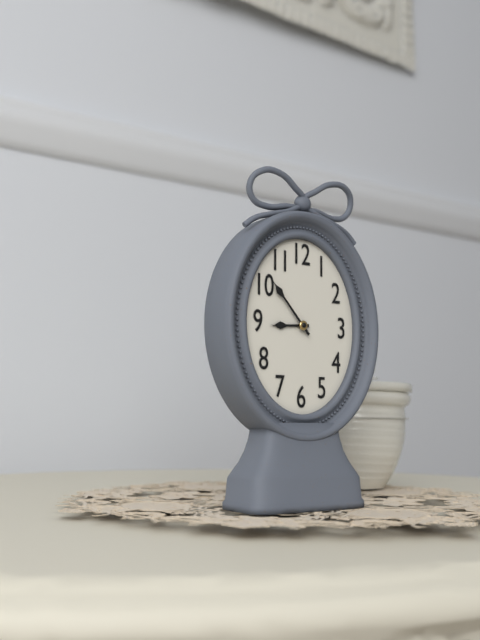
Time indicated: 8h53
